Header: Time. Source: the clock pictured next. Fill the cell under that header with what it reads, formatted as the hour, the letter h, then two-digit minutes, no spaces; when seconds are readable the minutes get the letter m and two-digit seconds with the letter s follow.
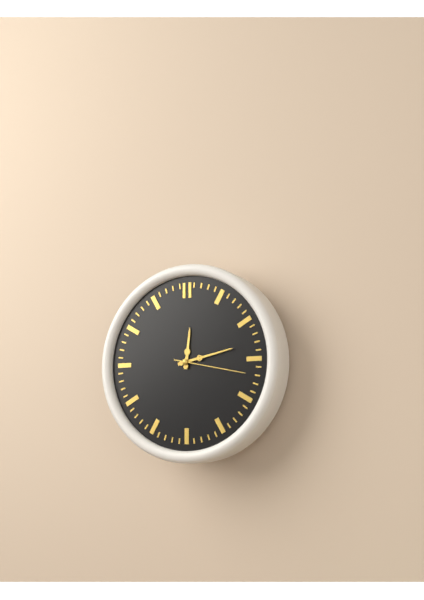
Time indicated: 12h13m17s
